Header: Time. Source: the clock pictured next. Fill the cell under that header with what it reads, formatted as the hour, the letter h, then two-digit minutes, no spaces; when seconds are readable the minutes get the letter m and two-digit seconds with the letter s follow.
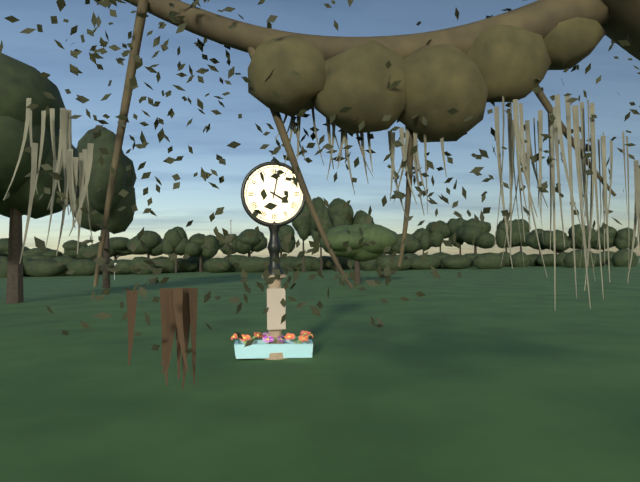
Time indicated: 4h02
